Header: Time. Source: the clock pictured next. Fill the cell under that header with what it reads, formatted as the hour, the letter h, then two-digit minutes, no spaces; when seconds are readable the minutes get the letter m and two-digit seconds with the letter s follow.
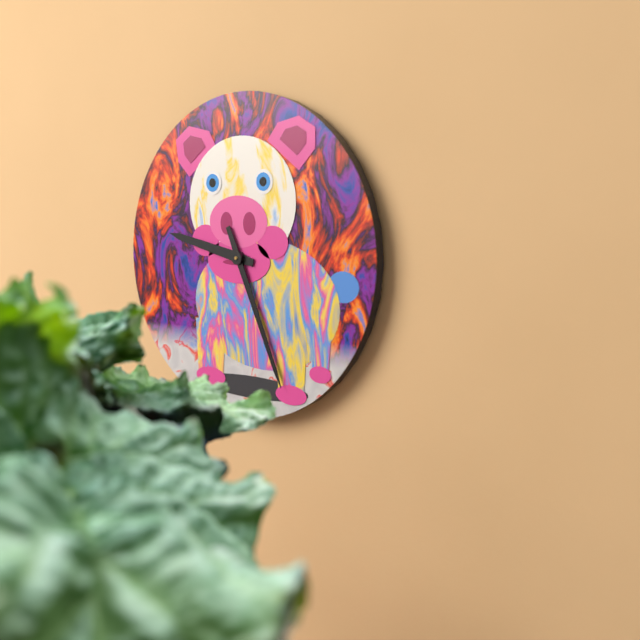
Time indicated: 9h26
